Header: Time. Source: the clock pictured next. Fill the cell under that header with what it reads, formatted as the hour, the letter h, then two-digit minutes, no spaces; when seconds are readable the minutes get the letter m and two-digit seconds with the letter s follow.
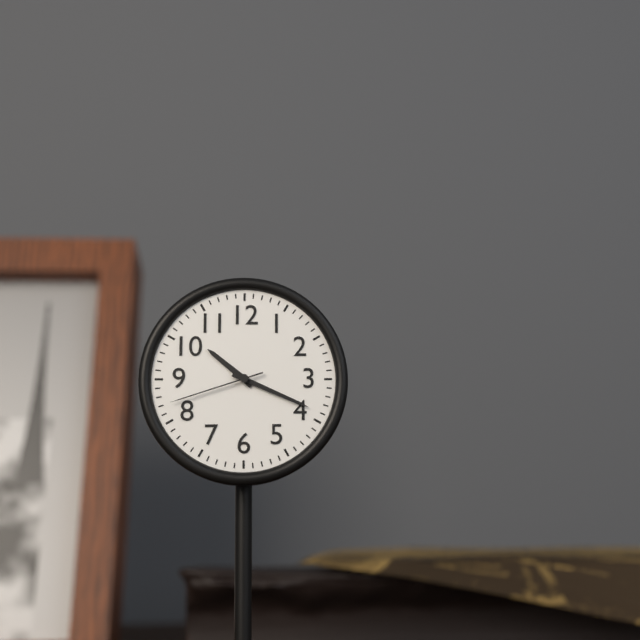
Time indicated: 10h19m42s
